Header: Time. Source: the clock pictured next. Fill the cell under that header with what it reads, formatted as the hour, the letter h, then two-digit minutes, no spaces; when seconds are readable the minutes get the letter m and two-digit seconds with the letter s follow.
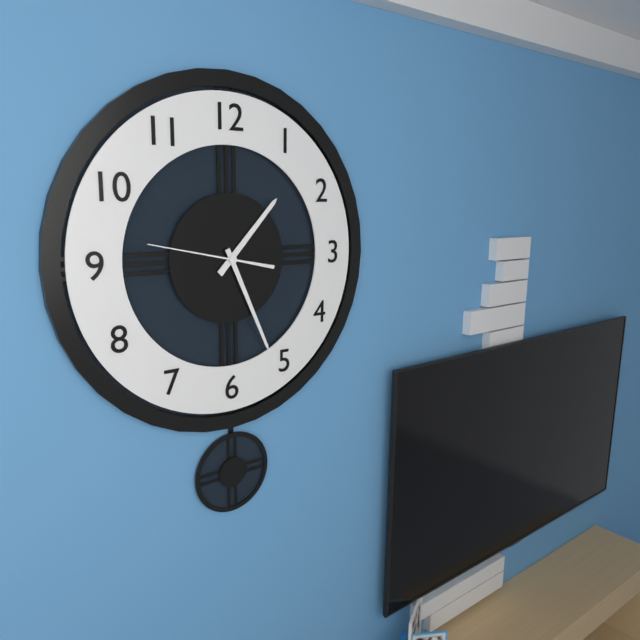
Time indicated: 1h26m47s
